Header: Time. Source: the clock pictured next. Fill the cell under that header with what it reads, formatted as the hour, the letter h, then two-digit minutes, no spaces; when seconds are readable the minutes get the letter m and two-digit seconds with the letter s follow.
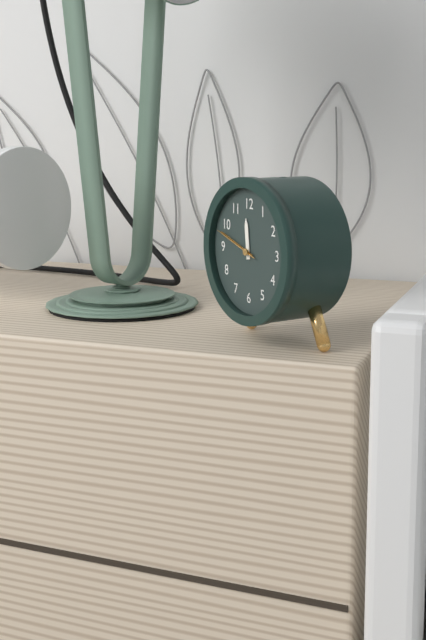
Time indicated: 11h48
